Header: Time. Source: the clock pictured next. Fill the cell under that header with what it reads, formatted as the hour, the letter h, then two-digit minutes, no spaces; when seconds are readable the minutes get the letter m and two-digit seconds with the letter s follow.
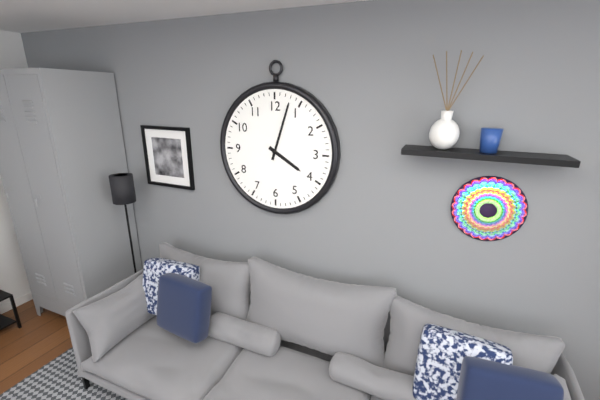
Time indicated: 4h03
